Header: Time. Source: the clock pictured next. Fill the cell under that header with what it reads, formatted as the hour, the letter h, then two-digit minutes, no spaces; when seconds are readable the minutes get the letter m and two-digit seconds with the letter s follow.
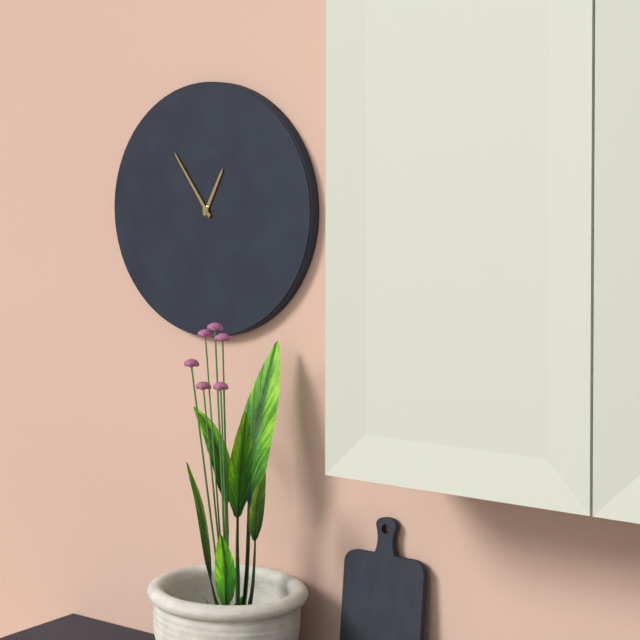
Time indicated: 12h54
